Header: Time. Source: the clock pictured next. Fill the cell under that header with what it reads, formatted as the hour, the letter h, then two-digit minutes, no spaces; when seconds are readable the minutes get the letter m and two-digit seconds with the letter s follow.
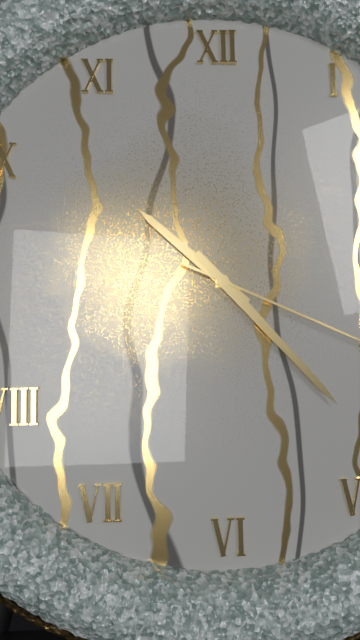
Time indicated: 10h23
